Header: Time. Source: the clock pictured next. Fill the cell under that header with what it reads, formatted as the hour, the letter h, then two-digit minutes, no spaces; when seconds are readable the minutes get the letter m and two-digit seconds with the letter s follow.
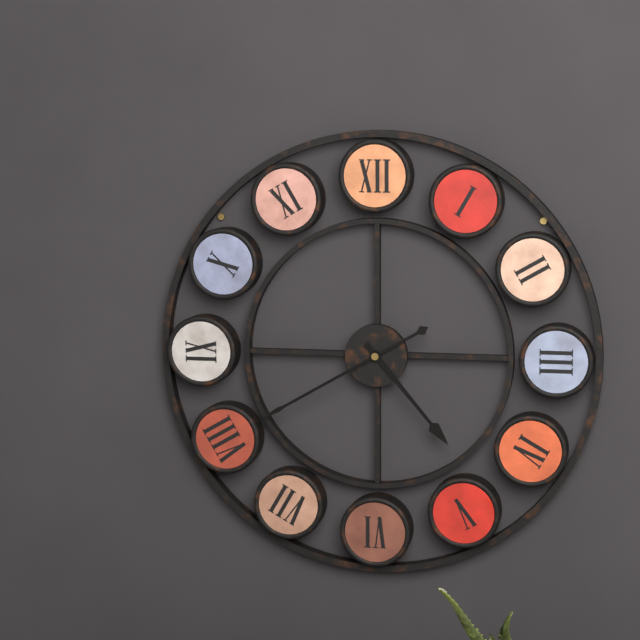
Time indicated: 4h40
